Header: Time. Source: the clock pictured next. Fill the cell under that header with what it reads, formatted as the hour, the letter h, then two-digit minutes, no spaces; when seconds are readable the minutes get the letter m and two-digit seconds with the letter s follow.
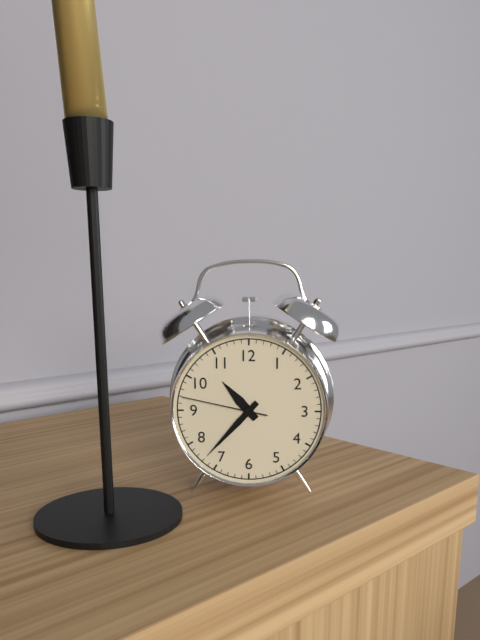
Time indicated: 10h37m47s
